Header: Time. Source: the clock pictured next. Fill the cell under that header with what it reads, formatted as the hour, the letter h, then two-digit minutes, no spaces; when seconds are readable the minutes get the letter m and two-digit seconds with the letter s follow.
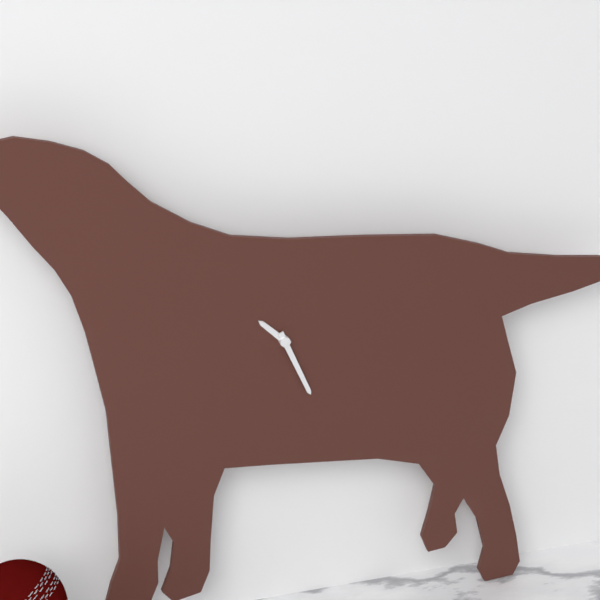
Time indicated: 10h26
